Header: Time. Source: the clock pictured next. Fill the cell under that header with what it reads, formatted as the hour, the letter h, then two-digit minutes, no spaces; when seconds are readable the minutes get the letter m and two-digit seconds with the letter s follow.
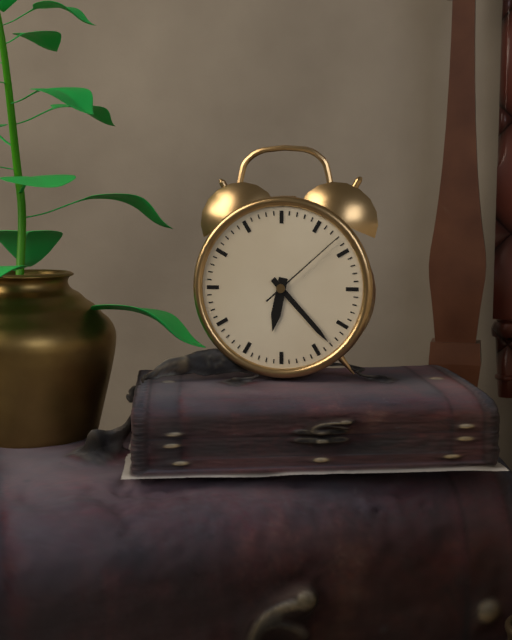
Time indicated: 6h23m08s
